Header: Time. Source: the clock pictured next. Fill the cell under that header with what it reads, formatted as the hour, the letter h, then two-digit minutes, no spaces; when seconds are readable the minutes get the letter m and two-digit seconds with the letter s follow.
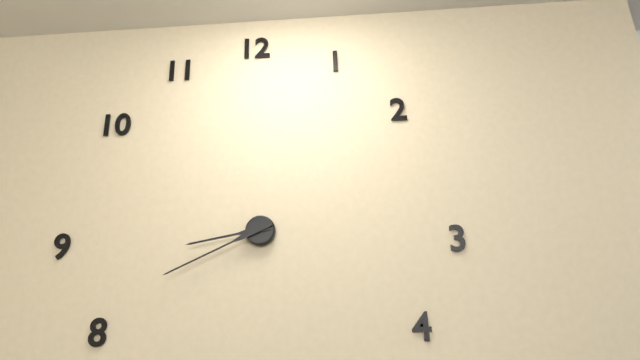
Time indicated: 8h41
